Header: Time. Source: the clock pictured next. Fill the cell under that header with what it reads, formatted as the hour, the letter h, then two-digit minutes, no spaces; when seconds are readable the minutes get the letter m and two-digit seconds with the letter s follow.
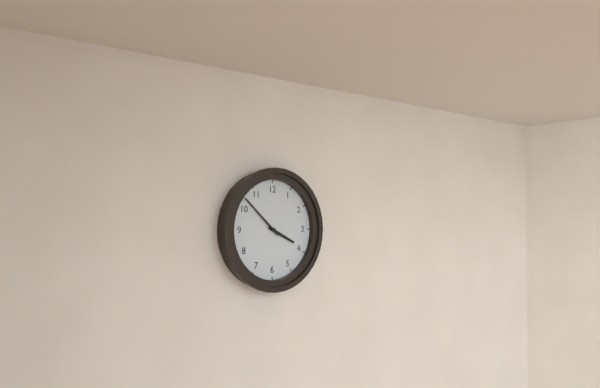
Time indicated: 3h52
